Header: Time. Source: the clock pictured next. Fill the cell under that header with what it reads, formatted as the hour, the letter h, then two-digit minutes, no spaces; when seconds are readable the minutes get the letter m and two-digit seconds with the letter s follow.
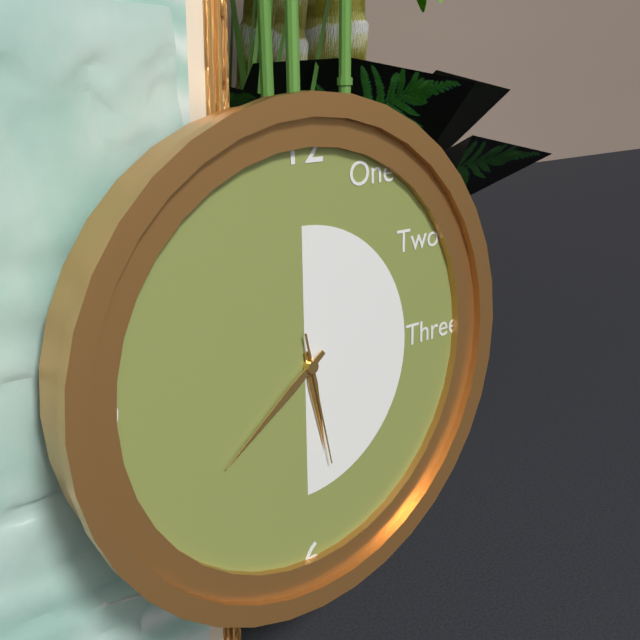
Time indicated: 5h39m28s
